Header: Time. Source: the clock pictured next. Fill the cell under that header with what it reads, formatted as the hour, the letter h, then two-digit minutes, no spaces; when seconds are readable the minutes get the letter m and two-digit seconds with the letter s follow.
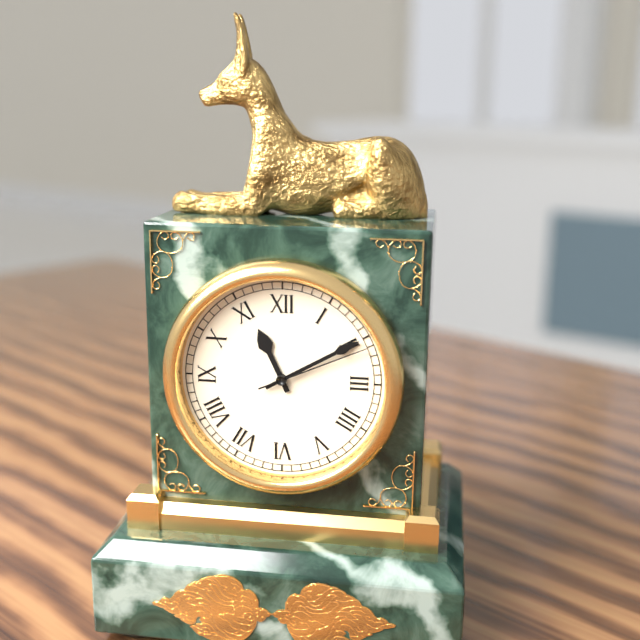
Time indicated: 11h10m11s
